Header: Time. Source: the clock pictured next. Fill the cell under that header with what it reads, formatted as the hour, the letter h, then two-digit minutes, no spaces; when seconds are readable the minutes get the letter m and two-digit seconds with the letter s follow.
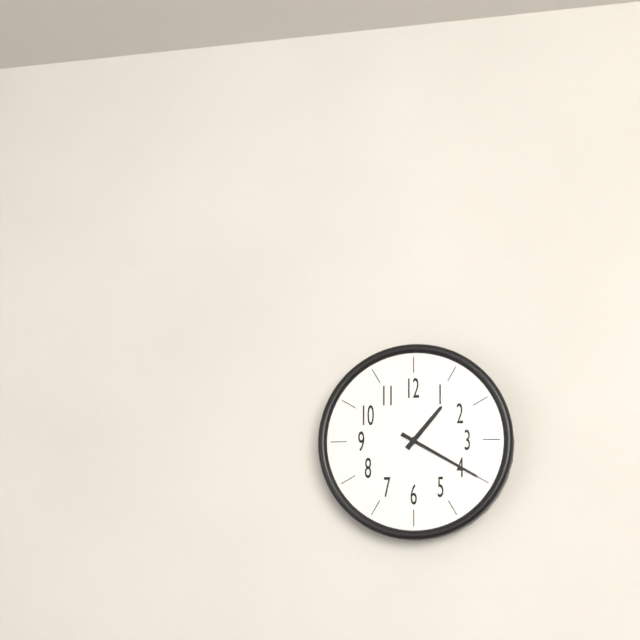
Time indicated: 1h20
